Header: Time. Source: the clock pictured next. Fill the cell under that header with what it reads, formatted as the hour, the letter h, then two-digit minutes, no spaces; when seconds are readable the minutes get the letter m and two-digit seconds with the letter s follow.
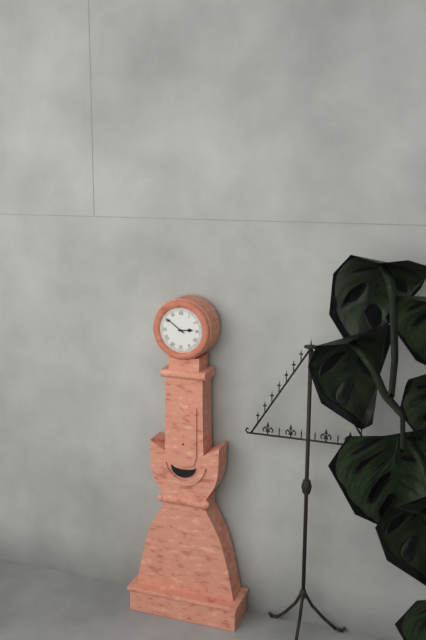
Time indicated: 2h51
